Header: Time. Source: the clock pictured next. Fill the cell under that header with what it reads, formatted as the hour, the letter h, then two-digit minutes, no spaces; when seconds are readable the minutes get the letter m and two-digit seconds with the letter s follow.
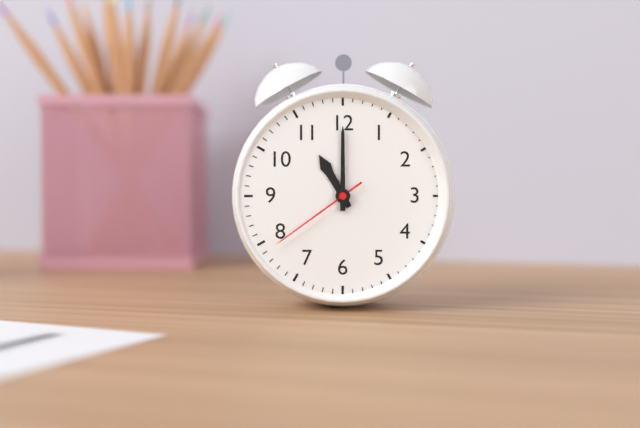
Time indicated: 11h00m39s
